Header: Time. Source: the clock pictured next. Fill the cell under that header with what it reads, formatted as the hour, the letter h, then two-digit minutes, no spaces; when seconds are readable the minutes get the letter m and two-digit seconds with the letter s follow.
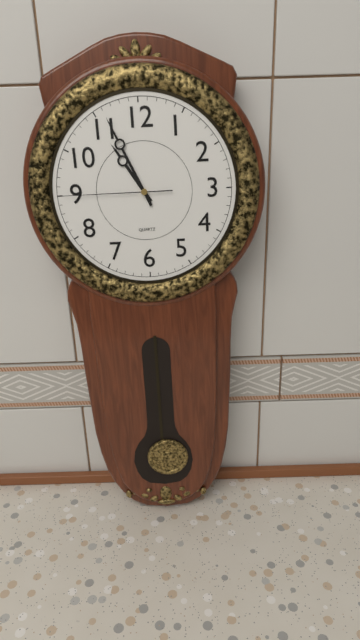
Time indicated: 10h56m45s
